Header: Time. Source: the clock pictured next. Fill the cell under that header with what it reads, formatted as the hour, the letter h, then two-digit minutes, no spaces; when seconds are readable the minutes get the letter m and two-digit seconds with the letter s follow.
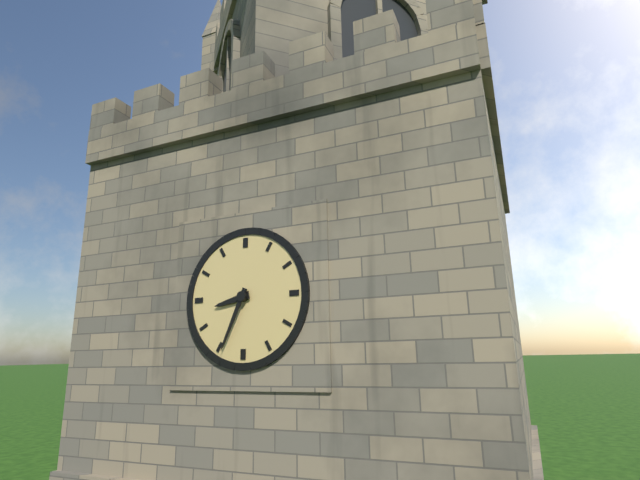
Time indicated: 8h34
